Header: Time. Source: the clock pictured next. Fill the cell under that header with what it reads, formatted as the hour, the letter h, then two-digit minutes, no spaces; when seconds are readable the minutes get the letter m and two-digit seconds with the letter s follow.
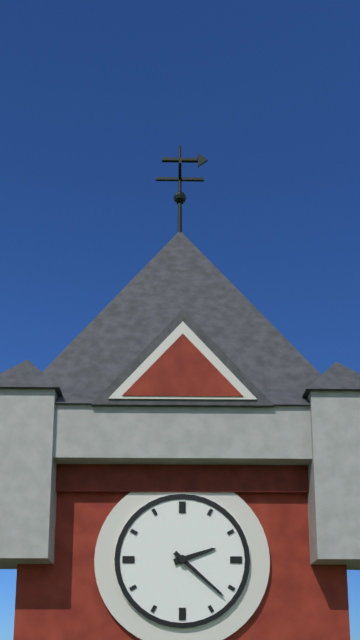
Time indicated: 2h22
